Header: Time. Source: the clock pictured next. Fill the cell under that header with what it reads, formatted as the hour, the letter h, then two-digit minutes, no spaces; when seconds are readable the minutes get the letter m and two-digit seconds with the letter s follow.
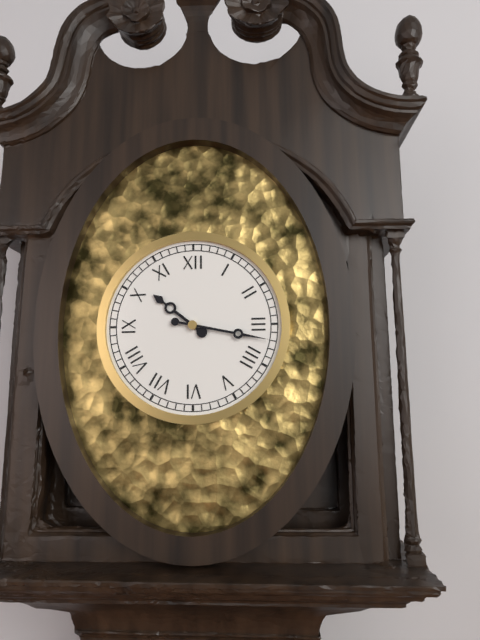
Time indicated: 10h17
